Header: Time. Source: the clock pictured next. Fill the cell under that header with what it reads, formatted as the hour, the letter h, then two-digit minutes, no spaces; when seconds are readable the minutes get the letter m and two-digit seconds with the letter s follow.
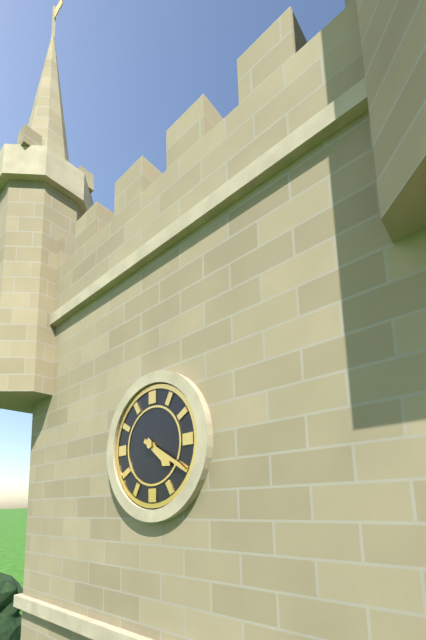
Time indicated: 4h20
